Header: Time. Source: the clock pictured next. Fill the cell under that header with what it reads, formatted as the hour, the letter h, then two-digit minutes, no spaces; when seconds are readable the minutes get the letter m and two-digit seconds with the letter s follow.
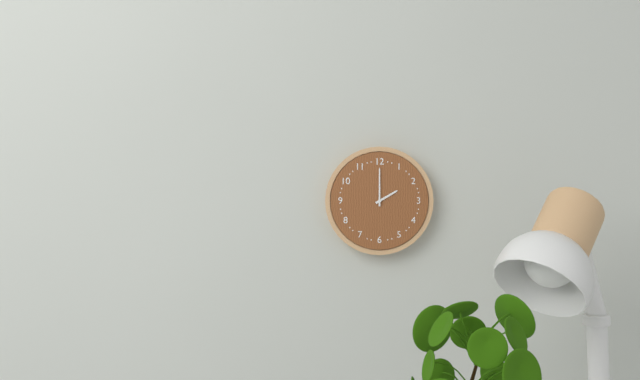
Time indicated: 2h00
